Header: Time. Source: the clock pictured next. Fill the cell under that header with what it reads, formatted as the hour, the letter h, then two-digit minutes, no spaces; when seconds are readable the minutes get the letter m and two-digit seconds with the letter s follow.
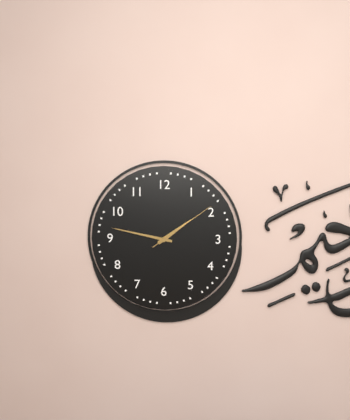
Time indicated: 1h47m09s
